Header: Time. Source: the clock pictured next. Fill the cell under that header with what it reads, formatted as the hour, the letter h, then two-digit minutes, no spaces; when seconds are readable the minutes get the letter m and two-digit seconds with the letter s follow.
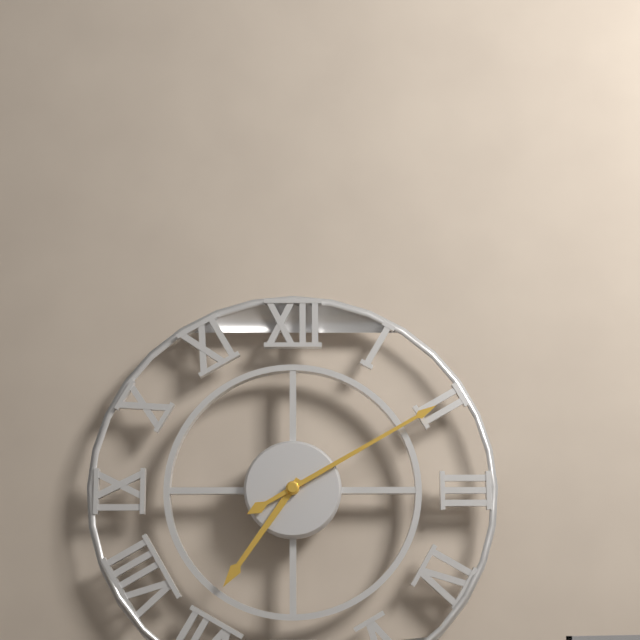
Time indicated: 7h10
